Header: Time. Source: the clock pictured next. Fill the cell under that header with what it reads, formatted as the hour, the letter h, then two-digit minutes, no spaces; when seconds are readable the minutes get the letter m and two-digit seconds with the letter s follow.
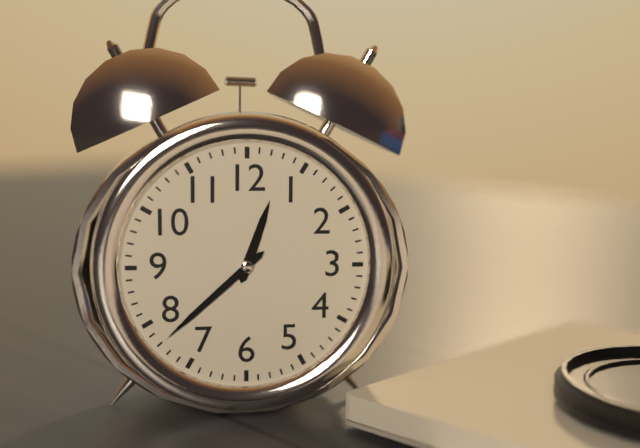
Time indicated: 12h38
